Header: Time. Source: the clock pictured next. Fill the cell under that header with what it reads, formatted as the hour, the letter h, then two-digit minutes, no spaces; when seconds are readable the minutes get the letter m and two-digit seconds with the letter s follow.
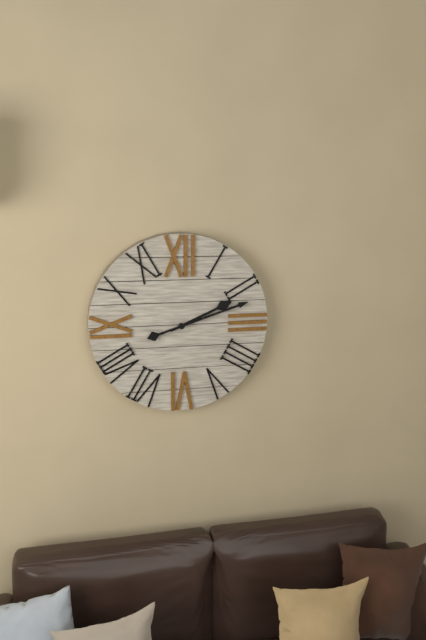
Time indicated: 2h12
